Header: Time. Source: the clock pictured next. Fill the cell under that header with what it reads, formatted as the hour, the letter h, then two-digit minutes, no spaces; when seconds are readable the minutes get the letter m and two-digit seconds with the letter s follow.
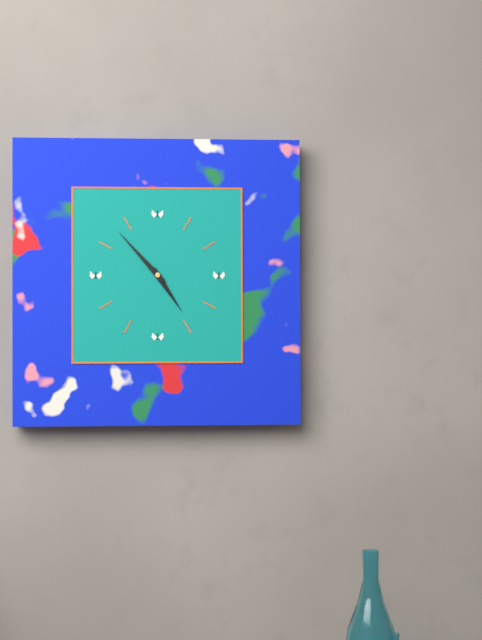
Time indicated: 4h53
